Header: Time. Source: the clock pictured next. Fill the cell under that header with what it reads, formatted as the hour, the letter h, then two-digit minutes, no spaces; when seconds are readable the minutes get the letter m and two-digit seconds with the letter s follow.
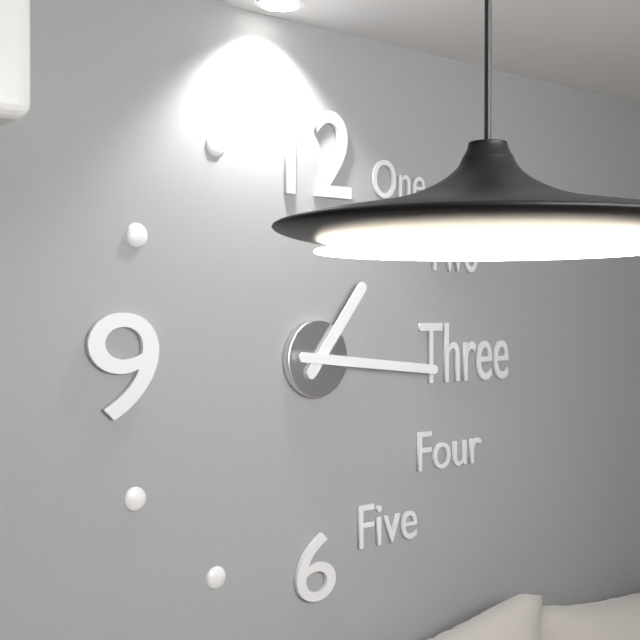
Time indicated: 1h16
